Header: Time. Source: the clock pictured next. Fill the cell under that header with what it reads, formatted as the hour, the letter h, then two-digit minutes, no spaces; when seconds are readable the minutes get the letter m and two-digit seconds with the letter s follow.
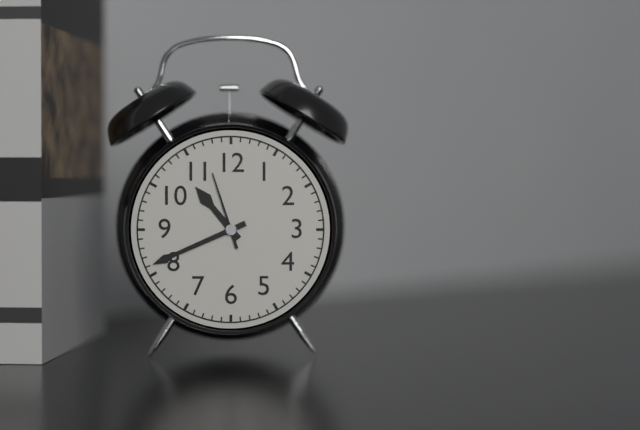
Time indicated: 10h41m57s
